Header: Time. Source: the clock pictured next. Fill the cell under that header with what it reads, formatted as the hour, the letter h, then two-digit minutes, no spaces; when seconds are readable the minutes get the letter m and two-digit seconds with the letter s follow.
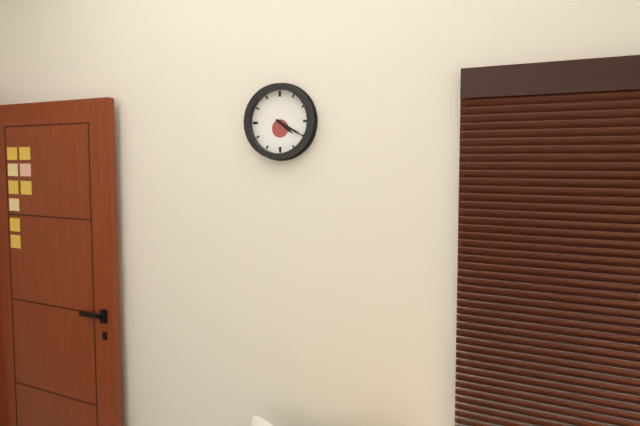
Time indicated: 4h20
